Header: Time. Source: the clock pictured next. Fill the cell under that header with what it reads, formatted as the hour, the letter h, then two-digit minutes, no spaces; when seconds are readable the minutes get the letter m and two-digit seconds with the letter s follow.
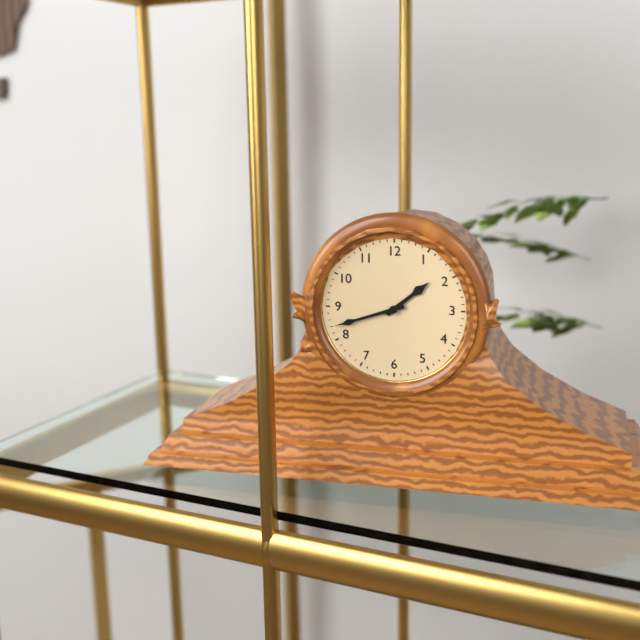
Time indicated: 1h42
